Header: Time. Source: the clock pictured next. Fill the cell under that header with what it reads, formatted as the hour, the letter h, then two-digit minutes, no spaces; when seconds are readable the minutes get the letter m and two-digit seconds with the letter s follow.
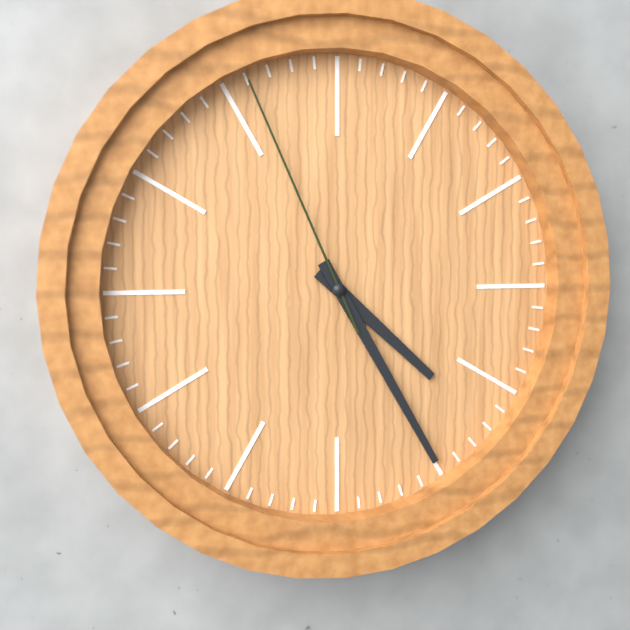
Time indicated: 4h25m56s
